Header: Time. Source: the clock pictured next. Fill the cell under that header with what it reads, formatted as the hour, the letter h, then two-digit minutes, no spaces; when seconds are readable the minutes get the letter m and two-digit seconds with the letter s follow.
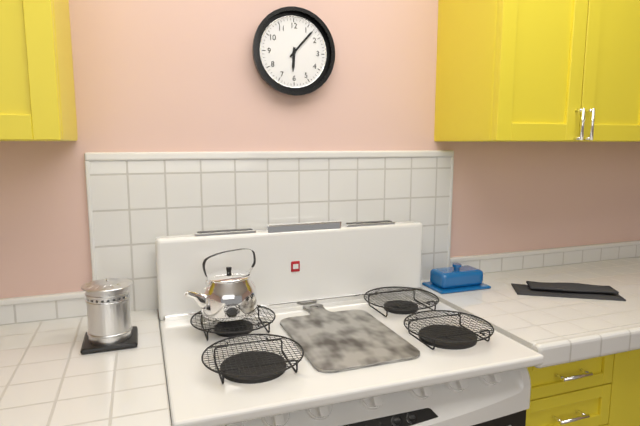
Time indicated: 6h07
